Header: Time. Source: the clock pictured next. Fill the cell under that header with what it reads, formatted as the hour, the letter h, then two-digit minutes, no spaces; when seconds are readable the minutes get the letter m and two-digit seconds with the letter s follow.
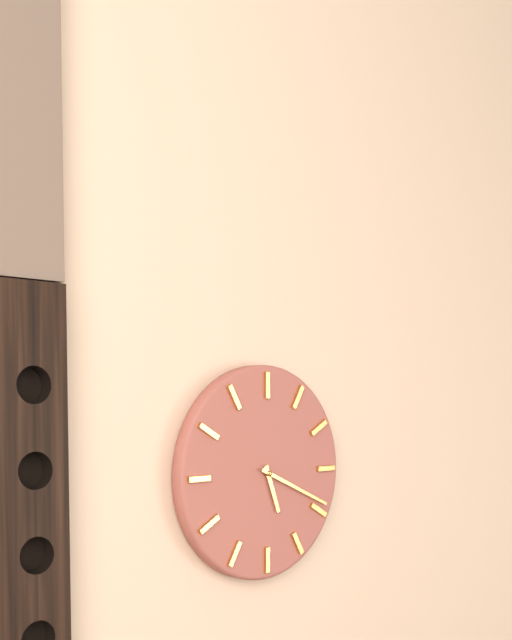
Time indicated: 5h19
